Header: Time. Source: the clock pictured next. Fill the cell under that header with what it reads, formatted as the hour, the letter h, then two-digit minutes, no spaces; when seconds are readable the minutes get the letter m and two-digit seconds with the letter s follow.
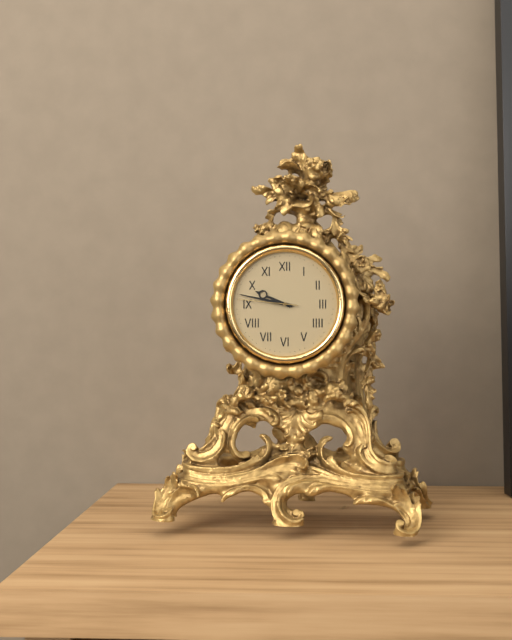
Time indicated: 9h47m46s
